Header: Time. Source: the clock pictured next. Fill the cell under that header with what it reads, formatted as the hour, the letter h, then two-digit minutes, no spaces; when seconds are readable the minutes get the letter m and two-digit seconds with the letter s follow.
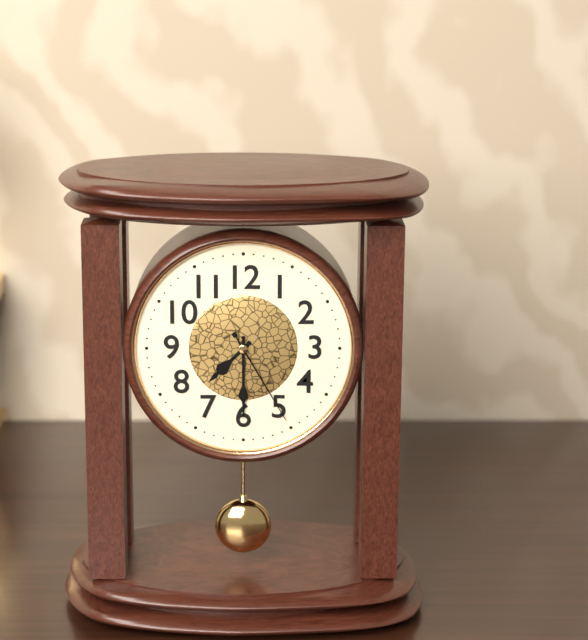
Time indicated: 7h30m25s
